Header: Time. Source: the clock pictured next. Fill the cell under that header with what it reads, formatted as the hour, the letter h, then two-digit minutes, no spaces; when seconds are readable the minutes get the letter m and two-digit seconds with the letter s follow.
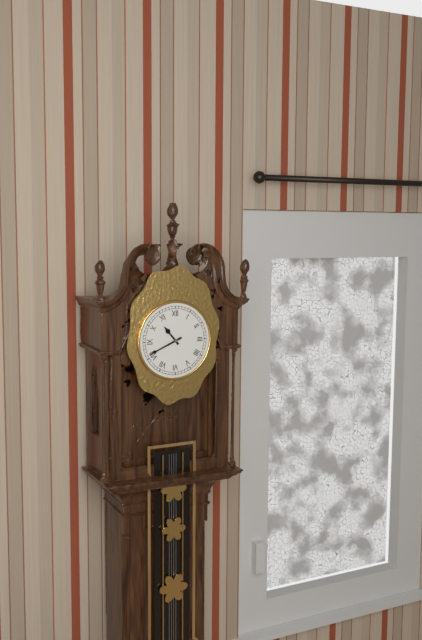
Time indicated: 10h41
